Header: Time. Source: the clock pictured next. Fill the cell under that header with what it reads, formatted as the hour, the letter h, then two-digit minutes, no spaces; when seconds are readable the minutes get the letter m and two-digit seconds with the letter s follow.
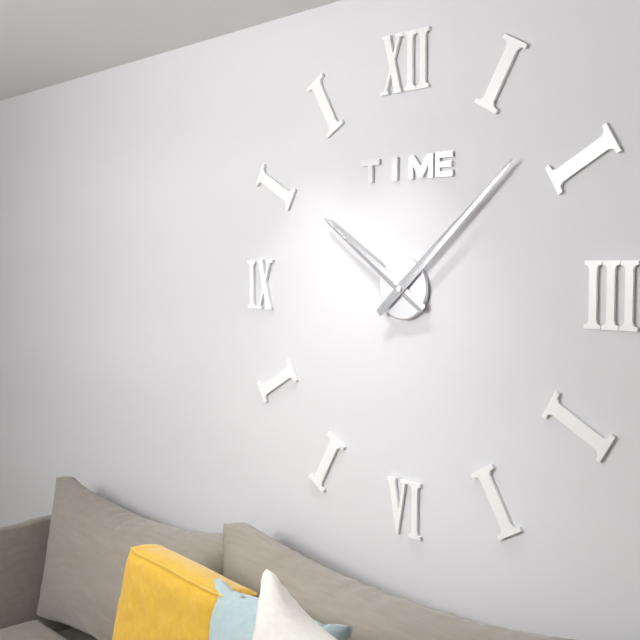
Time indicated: 10h08
